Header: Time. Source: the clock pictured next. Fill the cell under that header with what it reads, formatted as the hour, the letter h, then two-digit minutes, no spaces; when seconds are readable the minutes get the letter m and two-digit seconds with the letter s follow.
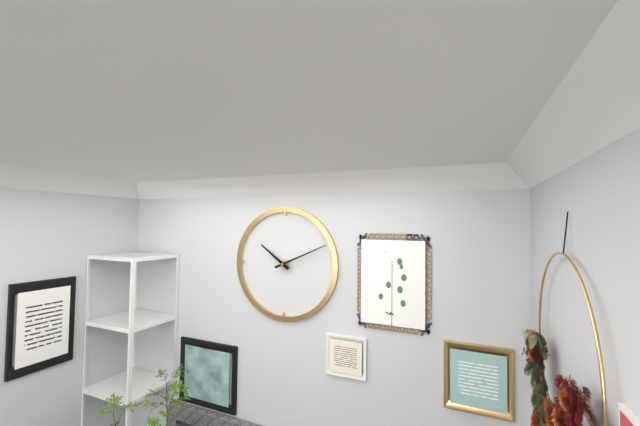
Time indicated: 10h11
